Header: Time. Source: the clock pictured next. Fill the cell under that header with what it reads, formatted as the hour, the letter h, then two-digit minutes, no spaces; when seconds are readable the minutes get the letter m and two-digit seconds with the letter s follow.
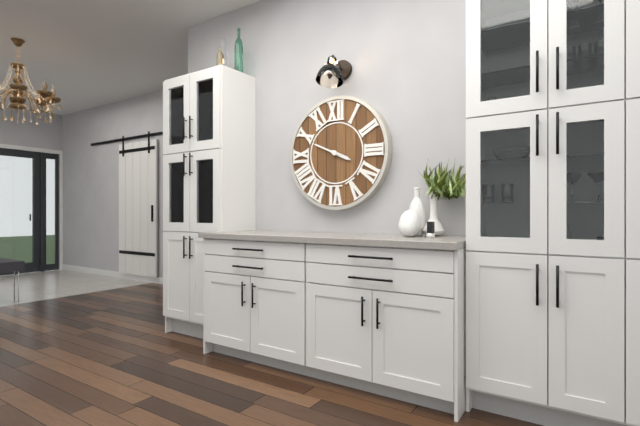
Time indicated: 3h49
